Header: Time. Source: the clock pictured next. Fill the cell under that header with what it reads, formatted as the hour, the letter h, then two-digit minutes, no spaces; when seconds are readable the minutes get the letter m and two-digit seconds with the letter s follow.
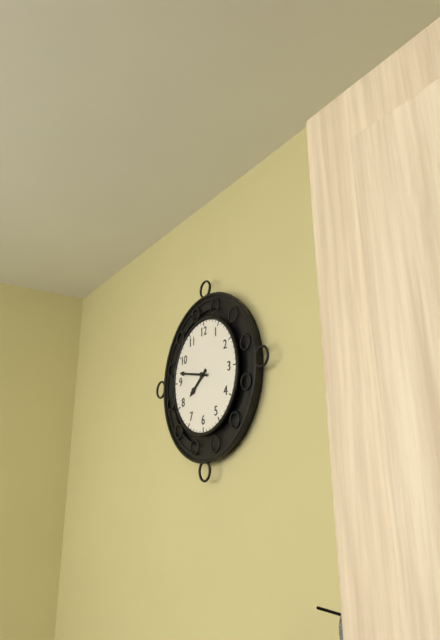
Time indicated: 7h47
